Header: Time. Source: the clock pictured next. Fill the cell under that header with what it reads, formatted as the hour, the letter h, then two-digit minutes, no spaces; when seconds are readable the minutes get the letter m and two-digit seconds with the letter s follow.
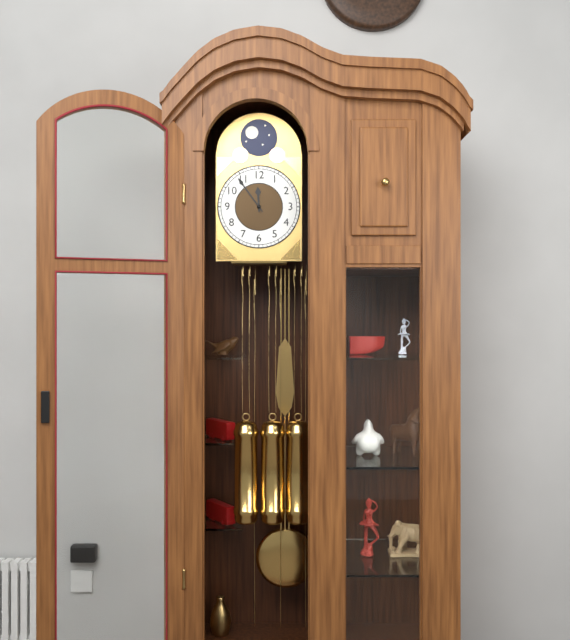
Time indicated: 11h54
